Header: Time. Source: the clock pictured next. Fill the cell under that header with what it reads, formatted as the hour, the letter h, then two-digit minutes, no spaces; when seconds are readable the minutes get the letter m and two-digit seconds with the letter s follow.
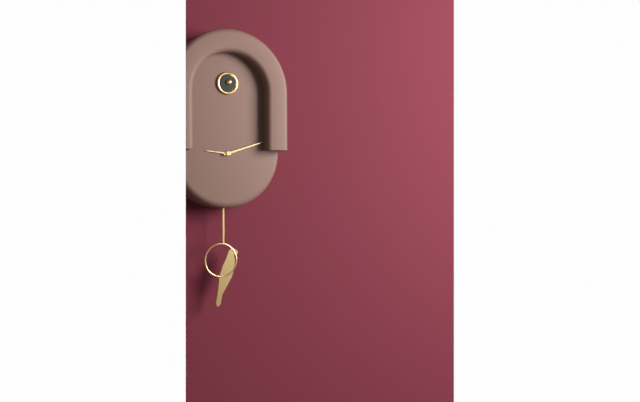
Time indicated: 9h12
